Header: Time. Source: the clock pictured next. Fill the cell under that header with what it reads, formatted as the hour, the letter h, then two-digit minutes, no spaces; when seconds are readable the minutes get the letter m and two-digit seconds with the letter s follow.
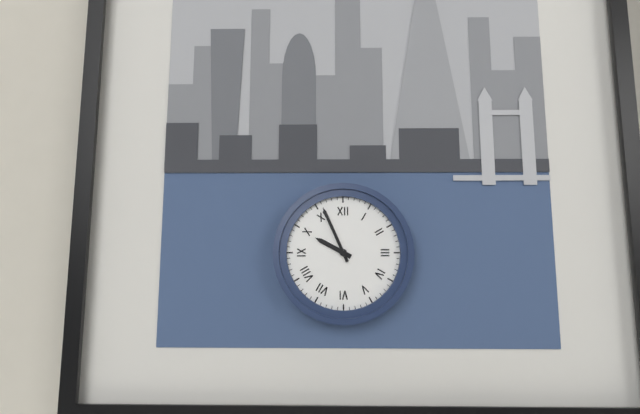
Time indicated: 9h56
